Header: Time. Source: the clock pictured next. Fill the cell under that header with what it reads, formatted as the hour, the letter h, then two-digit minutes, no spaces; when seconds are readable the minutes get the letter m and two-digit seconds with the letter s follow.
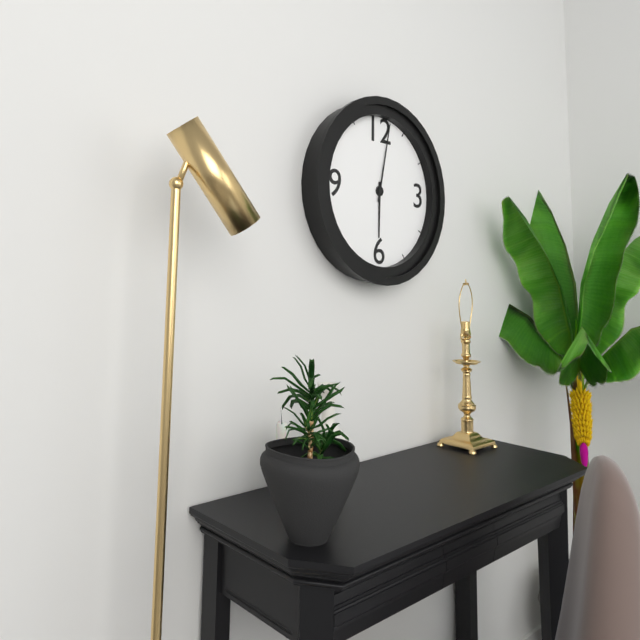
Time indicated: 6h02
